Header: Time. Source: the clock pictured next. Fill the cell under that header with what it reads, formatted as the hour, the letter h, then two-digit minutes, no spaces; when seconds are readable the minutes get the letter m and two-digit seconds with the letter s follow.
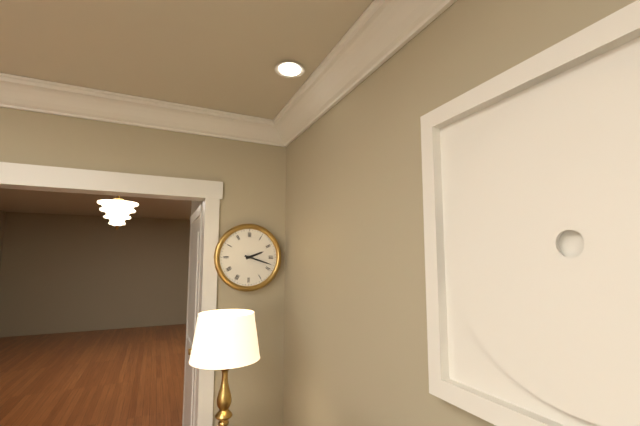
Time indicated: 2h18
